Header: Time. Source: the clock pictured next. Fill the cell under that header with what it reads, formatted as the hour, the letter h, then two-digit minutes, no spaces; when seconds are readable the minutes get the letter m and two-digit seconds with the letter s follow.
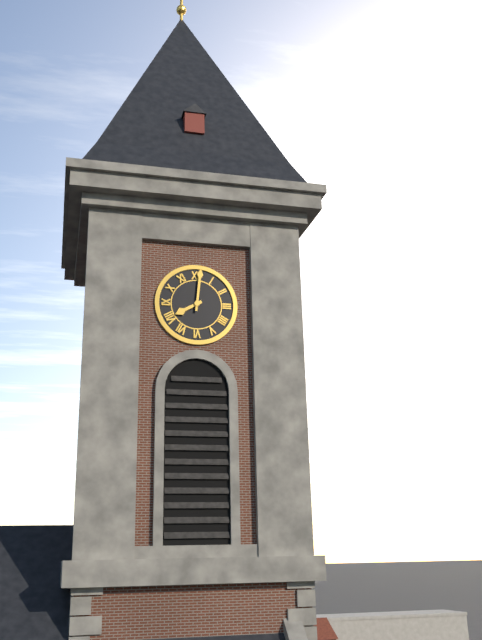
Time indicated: 8h01
